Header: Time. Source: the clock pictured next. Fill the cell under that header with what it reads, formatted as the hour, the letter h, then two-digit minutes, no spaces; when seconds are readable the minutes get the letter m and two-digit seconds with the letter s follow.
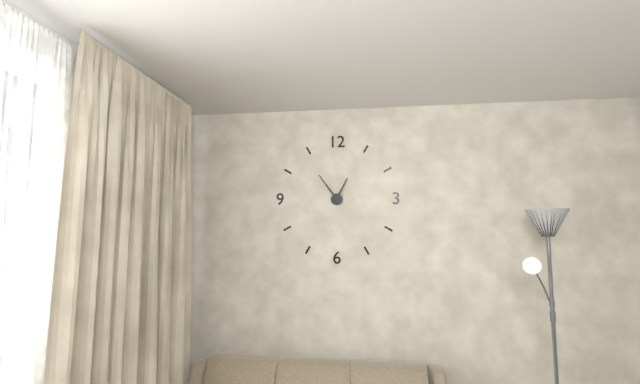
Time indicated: 12h54
